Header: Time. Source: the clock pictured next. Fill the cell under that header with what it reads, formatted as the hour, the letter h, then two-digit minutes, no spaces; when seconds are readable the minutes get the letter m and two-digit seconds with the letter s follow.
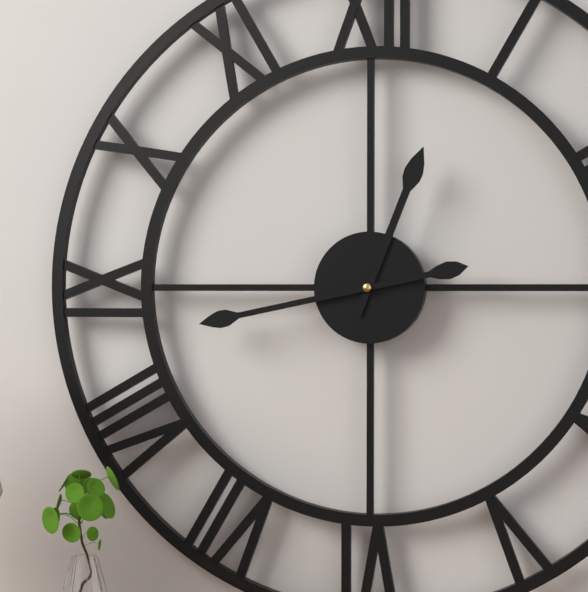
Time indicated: 12h43
